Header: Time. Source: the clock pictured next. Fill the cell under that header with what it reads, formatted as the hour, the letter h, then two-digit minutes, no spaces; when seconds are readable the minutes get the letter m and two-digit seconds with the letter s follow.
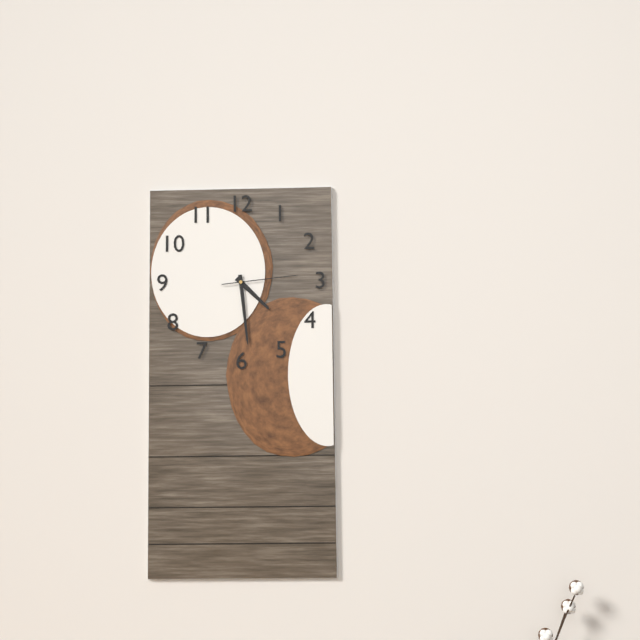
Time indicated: 4h29m14s
